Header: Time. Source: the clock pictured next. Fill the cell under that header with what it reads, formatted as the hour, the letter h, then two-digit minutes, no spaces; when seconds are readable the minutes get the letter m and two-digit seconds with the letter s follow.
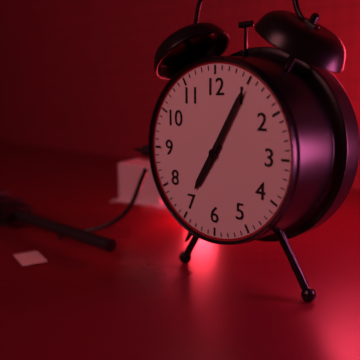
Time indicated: 7h05
